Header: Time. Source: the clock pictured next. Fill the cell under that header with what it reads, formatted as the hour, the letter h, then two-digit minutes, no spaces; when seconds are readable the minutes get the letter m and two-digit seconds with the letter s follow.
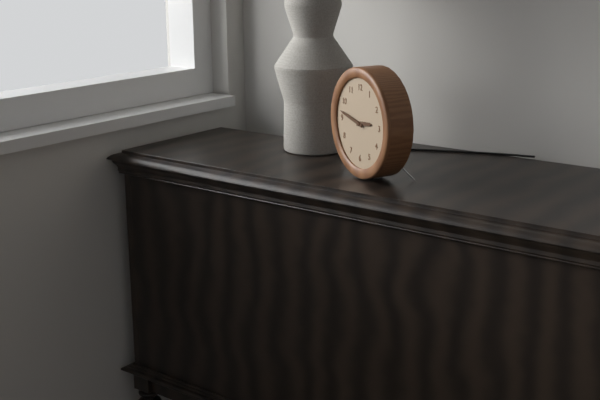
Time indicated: 2h47
